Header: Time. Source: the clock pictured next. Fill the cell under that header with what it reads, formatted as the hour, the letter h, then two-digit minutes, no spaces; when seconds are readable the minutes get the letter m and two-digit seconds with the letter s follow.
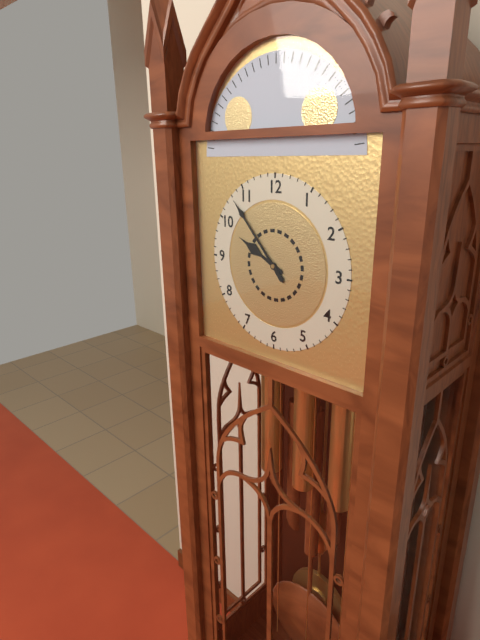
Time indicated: 9h53
